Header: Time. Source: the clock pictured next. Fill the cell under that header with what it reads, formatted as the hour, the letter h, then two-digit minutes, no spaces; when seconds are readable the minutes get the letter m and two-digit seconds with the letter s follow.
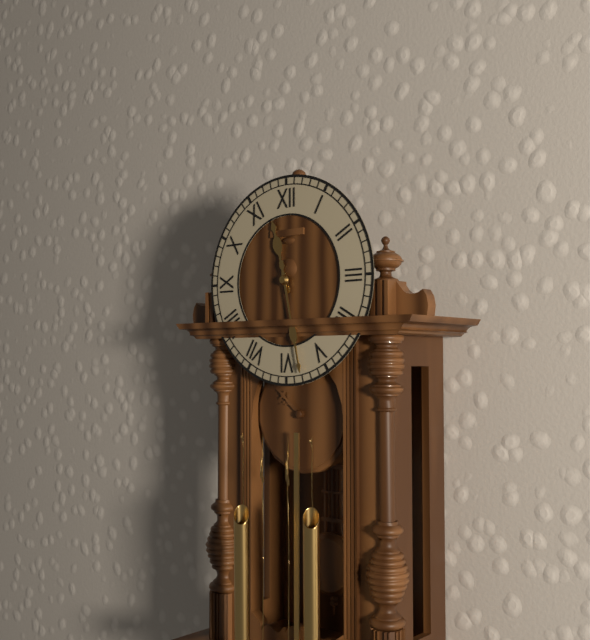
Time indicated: 11h28
